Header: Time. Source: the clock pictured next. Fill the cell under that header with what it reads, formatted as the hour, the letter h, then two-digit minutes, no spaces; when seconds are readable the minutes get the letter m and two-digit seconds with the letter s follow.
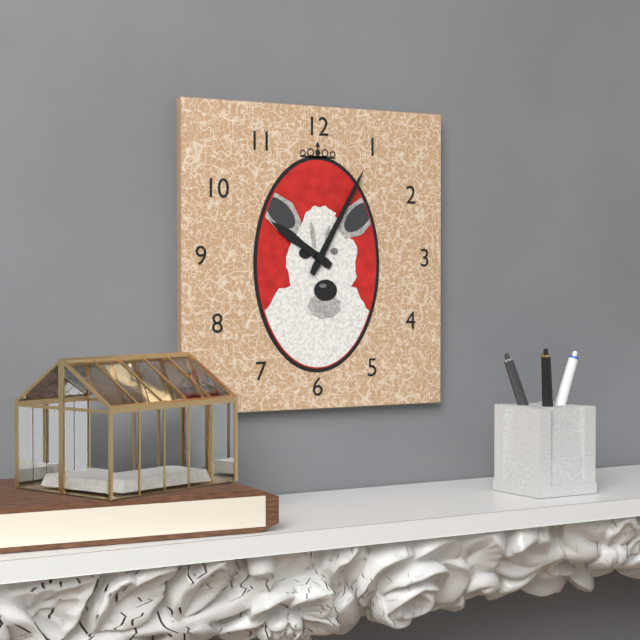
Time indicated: 10h05
